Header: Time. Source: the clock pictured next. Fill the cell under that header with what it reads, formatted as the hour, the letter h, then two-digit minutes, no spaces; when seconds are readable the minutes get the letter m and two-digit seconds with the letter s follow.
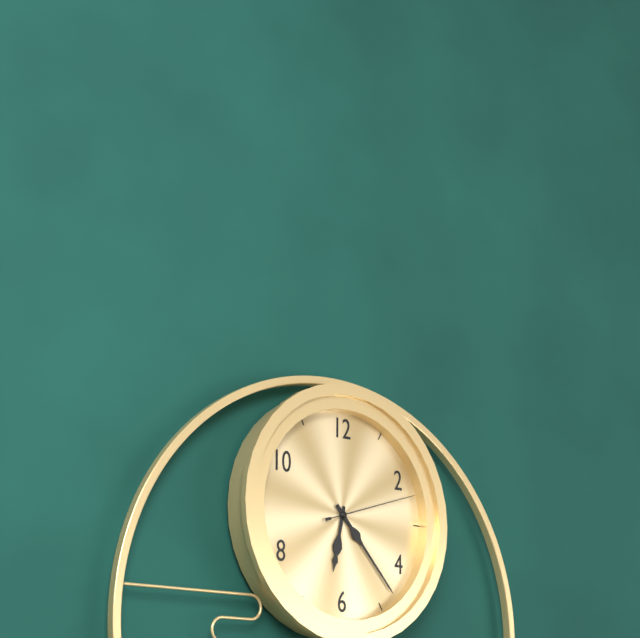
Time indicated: 6h23m12s
